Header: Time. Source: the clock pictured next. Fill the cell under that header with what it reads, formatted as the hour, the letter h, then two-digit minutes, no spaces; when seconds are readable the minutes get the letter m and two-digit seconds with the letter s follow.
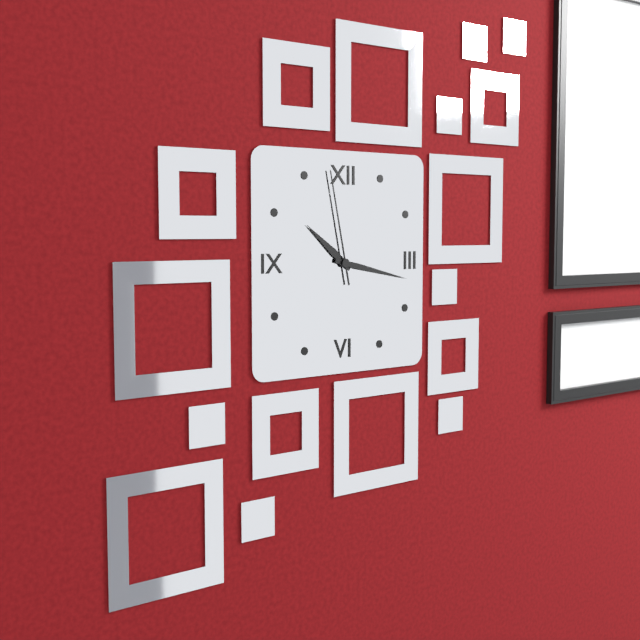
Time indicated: 10h17m58s
